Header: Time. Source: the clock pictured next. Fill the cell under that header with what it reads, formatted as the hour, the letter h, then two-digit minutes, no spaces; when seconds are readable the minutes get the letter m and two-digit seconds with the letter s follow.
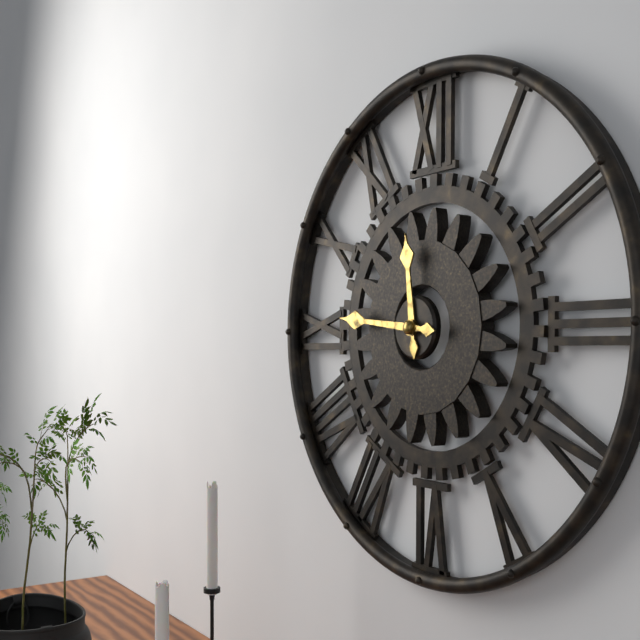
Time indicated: 11h46
